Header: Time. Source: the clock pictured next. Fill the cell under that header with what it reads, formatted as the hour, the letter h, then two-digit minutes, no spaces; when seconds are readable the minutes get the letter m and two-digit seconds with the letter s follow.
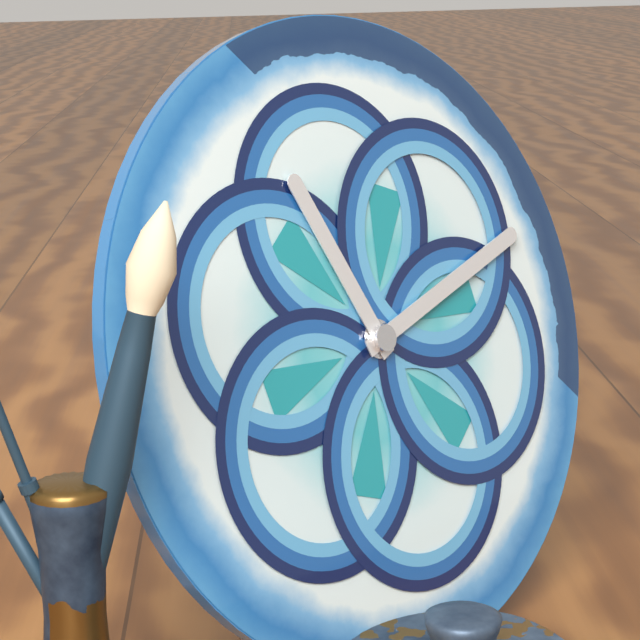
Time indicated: 11h12
